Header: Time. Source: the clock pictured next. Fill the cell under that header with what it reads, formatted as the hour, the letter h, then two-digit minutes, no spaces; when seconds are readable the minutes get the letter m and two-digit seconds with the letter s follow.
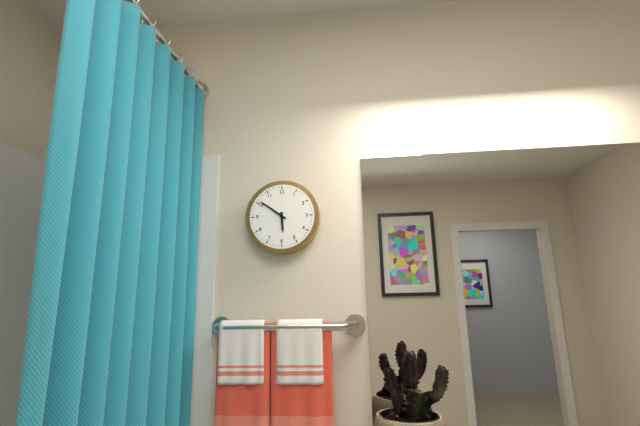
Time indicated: 5h51
